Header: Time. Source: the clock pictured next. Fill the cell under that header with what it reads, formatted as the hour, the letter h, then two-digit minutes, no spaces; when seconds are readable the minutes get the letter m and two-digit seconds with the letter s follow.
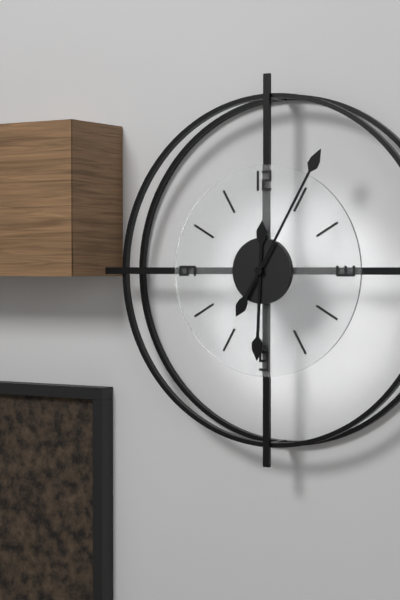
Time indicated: 6h05
